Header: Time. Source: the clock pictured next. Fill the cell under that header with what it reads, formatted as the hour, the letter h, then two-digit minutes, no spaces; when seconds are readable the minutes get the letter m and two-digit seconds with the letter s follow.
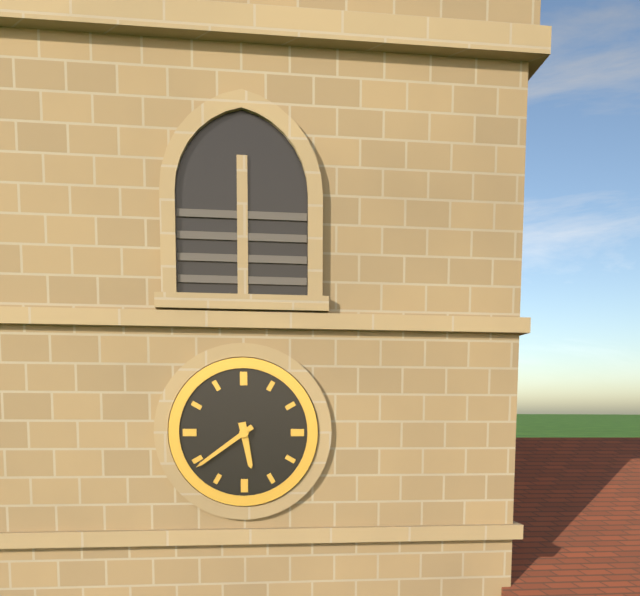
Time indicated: 5h39
